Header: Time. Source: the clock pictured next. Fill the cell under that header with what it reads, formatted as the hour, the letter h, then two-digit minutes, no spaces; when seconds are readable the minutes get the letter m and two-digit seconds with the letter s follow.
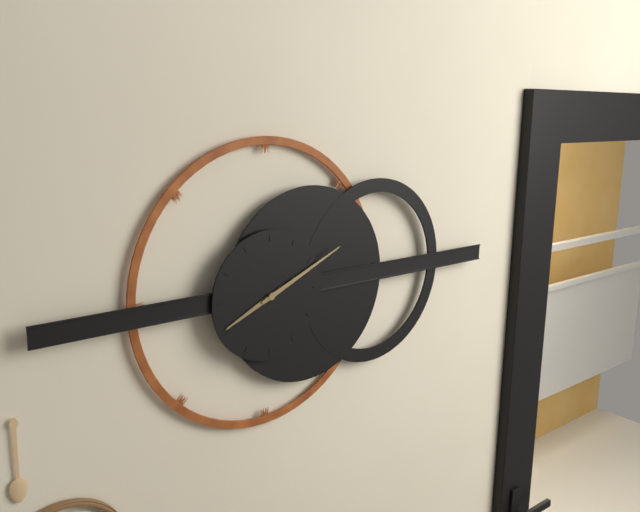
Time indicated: 8h11
